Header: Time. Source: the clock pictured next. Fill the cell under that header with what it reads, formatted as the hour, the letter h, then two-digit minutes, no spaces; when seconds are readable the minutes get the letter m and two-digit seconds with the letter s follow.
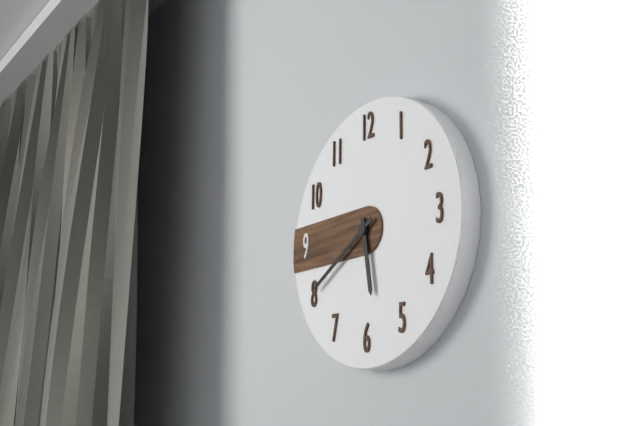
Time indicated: 5h40
